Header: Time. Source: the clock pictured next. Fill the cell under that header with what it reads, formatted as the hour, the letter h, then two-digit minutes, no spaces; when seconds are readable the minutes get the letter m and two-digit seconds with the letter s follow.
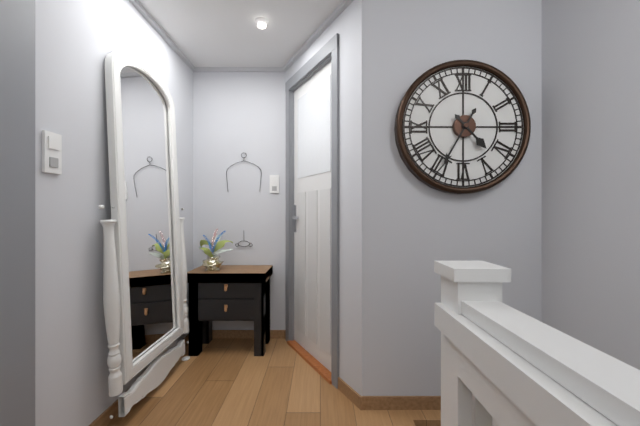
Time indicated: 4h35
